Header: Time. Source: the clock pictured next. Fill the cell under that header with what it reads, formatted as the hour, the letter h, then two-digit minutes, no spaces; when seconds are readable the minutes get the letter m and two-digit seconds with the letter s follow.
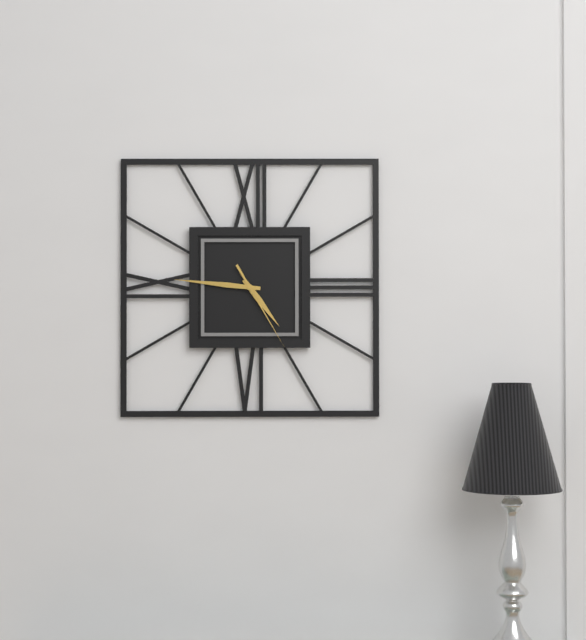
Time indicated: 4h46m25s
